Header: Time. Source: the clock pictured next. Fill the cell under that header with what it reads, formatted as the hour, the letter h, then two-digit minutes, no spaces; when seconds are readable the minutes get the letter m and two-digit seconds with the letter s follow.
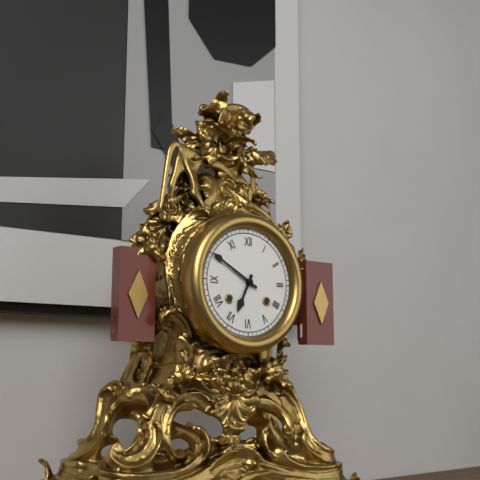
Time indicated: 6h50
